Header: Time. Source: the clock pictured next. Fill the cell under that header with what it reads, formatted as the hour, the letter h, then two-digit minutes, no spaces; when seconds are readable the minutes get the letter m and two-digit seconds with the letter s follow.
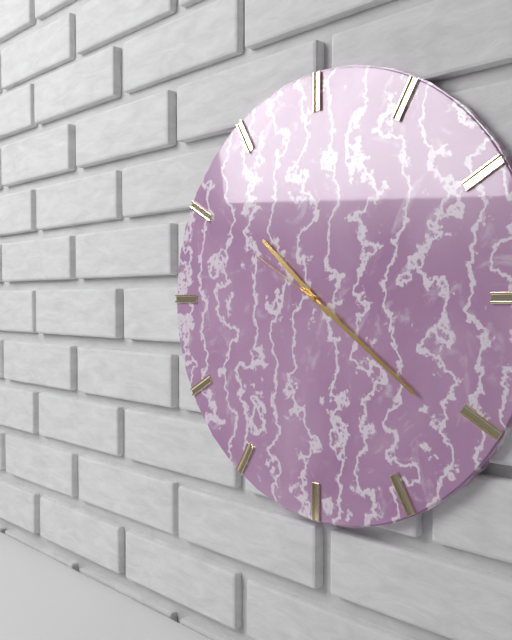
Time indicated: 10h21m50s
